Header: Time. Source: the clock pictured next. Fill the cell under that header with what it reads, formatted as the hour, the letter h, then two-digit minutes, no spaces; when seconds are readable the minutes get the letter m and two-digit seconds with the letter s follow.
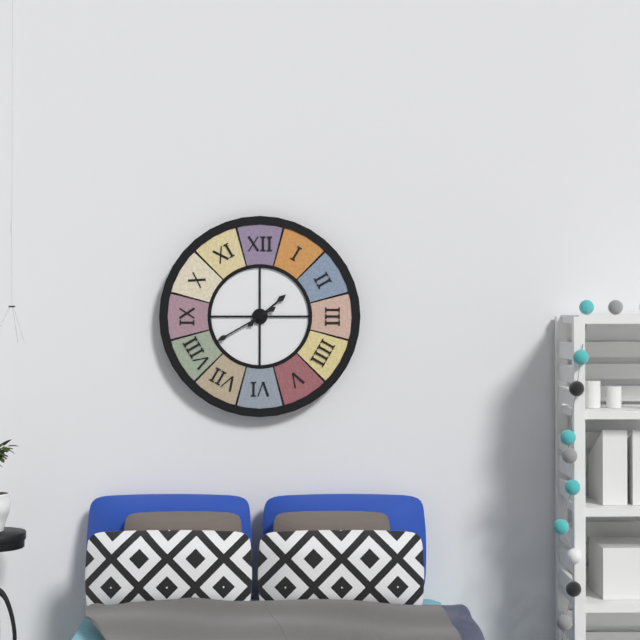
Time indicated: 1h40
